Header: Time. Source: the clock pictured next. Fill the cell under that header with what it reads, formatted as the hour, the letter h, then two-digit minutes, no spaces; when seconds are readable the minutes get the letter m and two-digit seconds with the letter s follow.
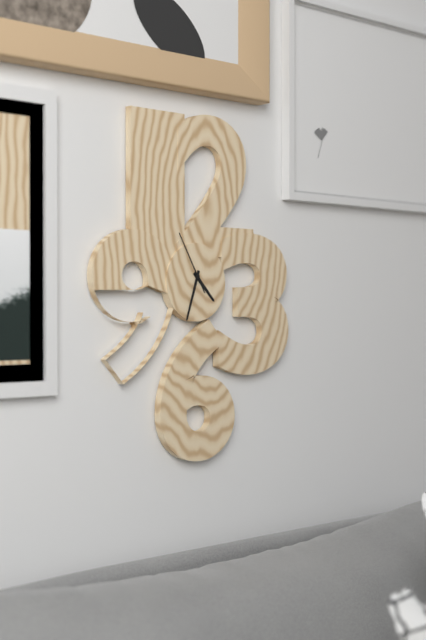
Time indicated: 4h33m55s
